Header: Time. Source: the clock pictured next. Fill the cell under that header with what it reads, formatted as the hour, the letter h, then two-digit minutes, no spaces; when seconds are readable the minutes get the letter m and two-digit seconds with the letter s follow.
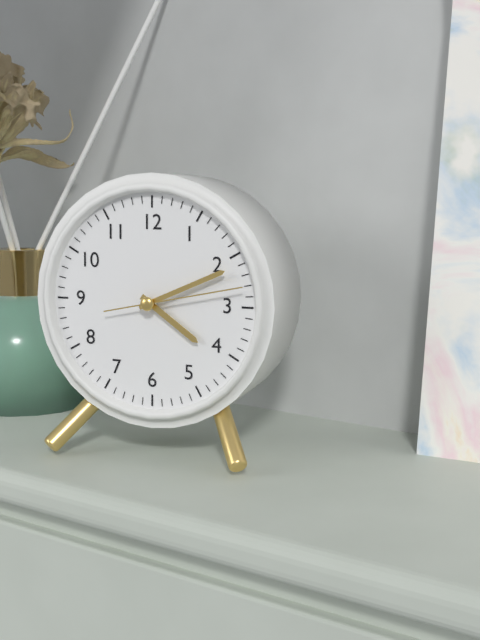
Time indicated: 4h11m13s
